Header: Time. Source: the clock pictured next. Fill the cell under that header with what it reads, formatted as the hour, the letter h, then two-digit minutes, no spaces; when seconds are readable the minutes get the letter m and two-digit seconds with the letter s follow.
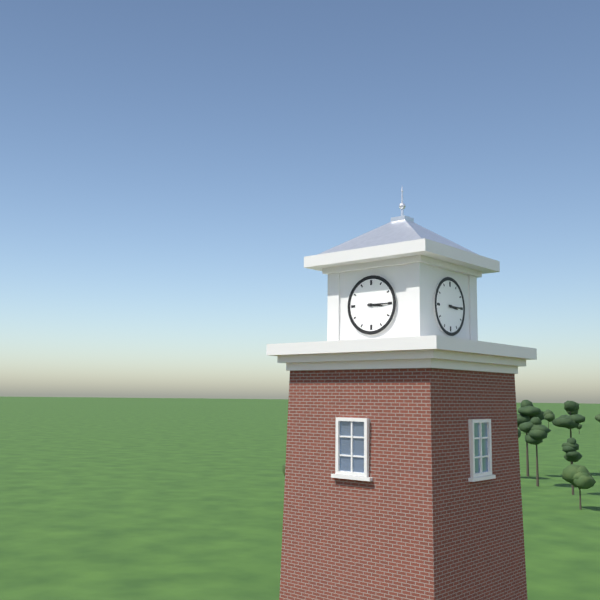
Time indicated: 3h15
